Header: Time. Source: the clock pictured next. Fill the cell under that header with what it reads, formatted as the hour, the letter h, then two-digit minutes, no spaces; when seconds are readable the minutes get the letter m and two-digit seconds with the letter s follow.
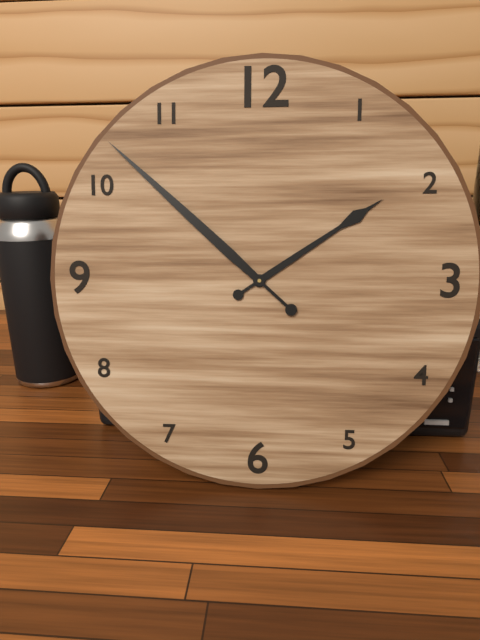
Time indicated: 1h52
